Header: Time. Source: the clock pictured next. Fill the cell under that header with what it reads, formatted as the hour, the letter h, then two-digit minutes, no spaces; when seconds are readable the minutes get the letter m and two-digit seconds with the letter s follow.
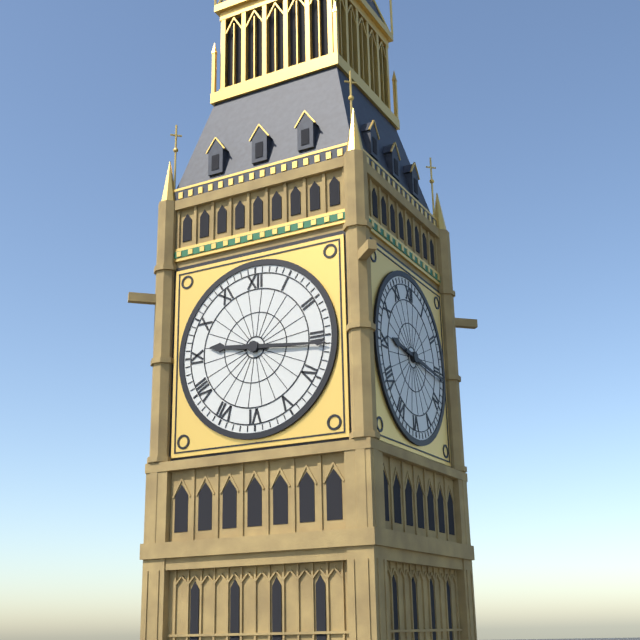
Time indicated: 9h16
